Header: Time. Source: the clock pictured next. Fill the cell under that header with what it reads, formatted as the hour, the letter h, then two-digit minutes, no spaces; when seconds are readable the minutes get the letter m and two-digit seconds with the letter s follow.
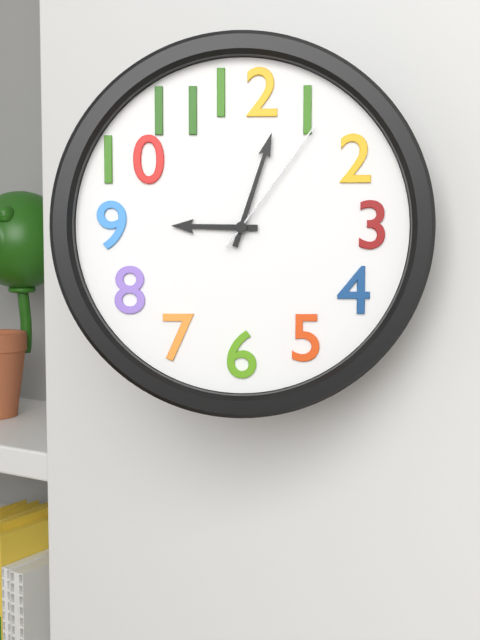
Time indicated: 9h03m06s
